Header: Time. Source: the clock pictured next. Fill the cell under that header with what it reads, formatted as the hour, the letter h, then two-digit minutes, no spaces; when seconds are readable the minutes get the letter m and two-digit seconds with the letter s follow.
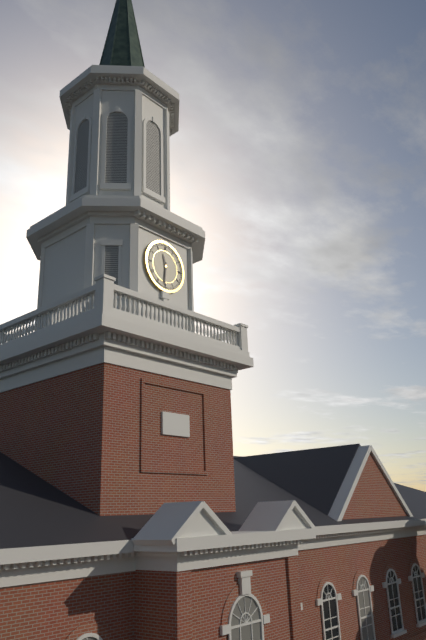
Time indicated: 11h31
